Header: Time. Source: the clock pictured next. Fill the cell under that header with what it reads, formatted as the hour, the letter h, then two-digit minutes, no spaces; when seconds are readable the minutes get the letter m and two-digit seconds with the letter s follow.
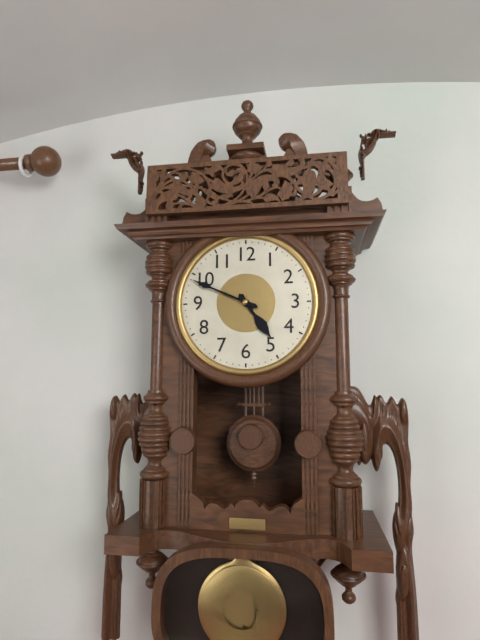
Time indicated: 4h49
